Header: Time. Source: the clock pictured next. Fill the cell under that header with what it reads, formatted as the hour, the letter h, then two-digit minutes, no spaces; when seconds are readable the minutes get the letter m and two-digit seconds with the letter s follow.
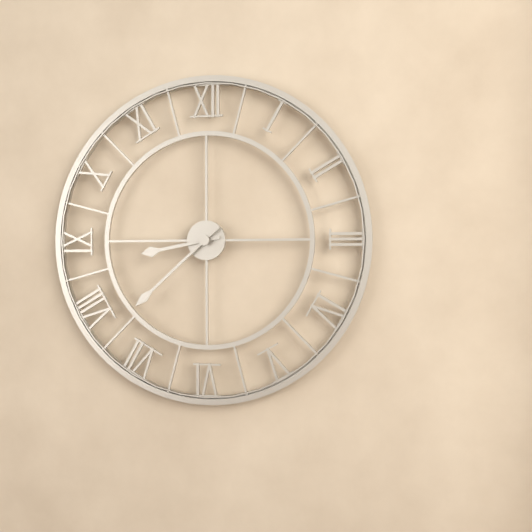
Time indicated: 8h38
